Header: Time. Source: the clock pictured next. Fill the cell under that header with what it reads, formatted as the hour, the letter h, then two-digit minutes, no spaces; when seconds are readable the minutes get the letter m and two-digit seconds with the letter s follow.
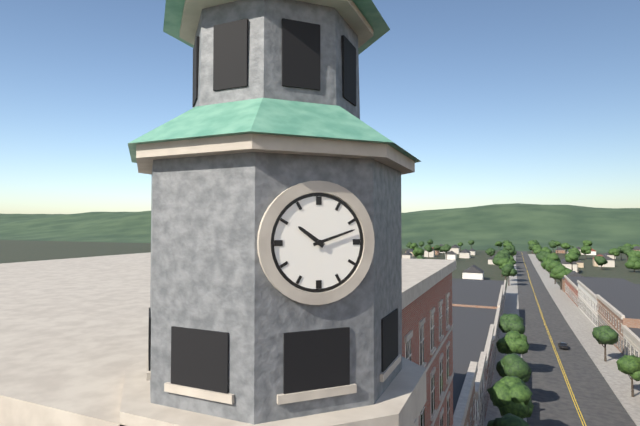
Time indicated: 10h12
